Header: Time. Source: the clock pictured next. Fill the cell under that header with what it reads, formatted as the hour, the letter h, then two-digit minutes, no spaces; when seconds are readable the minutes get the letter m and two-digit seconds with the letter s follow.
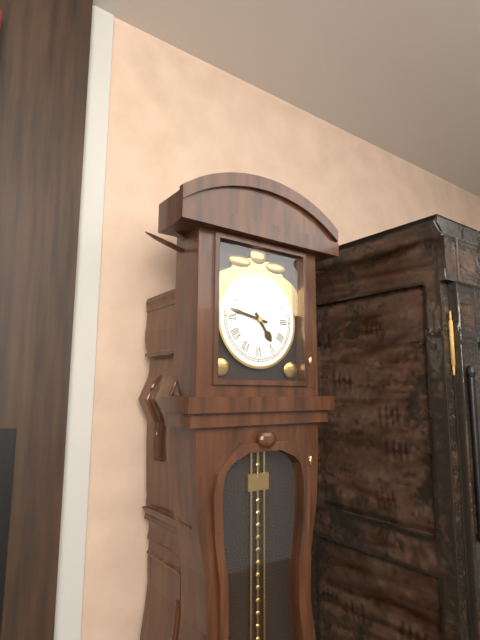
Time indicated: 4h47
